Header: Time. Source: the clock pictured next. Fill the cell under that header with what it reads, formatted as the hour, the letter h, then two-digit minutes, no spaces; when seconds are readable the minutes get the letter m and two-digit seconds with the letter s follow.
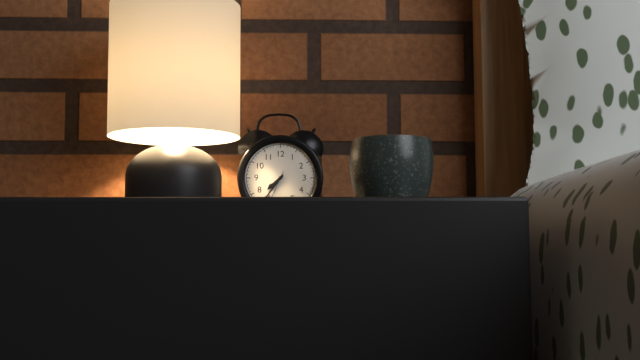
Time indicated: 7h36
